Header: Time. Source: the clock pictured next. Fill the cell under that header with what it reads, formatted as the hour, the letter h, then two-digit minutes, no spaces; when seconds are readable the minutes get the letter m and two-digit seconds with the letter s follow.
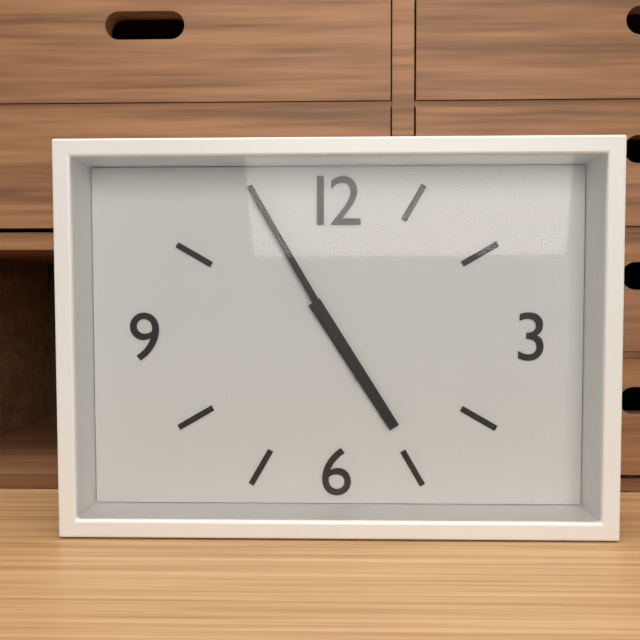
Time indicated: 4h55
